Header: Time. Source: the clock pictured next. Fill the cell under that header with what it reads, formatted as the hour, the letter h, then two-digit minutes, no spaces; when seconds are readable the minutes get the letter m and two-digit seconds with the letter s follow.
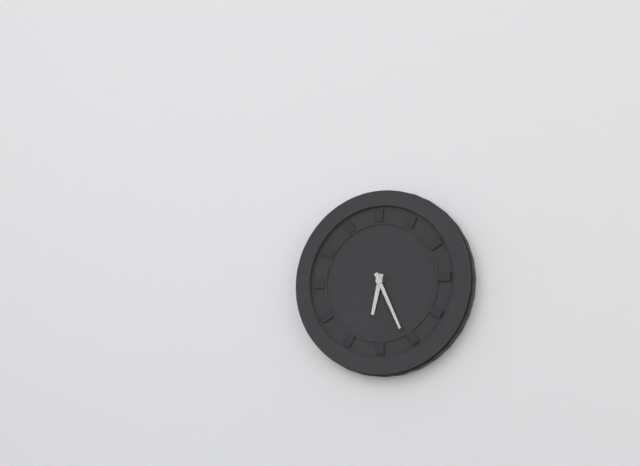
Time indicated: 6h26
